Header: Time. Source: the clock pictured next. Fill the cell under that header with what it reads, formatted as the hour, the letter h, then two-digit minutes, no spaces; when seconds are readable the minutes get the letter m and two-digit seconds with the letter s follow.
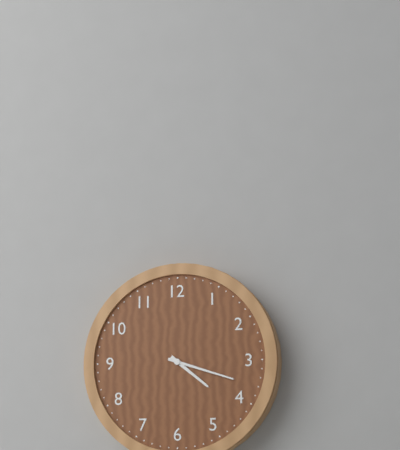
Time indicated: 4h18
